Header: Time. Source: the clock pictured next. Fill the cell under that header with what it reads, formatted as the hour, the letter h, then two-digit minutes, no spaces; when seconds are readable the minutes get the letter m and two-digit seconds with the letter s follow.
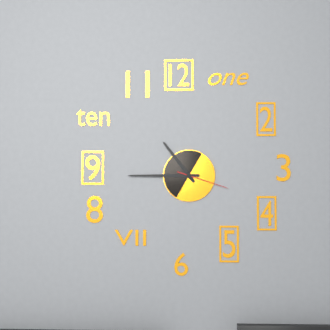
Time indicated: 10h45m18s
